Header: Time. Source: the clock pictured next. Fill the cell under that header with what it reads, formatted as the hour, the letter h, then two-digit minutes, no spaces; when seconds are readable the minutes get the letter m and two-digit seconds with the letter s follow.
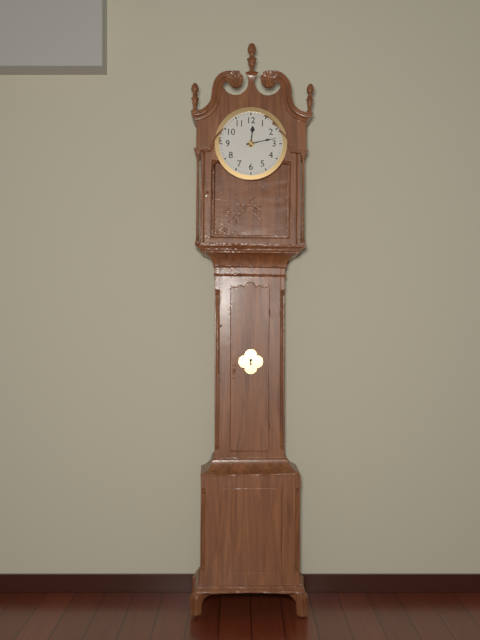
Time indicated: 12h13
